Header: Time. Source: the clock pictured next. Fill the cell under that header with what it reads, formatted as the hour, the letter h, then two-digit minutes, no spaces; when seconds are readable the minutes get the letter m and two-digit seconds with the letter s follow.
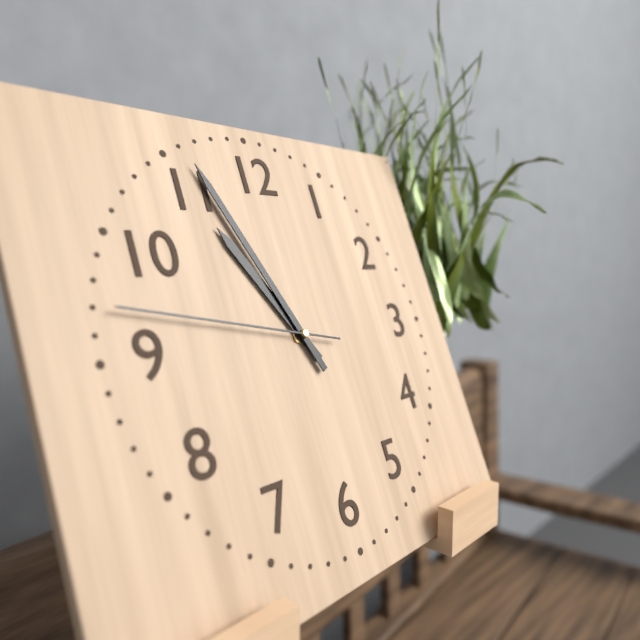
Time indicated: 10h56m47s
